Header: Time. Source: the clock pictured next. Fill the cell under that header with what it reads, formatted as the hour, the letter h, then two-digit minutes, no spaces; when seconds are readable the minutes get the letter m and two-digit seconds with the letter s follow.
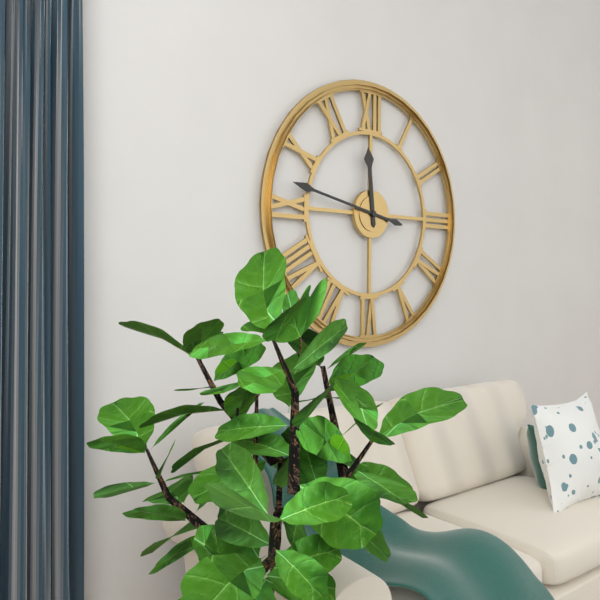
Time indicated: 11h47
